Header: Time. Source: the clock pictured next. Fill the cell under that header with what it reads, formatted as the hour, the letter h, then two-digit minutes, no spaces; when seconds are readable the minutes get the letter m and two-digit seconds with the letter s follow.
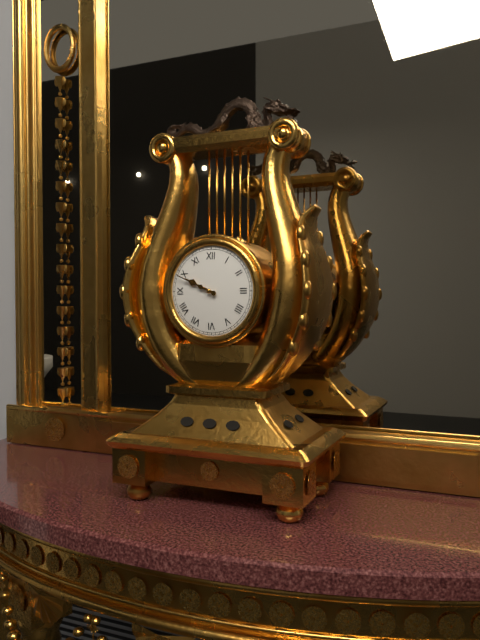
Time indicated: 9h49
